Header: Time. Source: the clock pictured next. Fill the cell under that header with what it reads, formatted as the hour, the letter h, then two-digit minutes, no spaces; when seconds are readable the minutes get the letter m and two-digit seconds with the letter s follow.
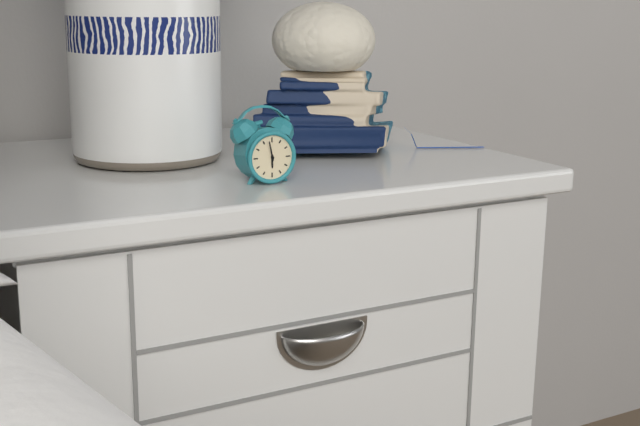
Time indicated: 5h58
